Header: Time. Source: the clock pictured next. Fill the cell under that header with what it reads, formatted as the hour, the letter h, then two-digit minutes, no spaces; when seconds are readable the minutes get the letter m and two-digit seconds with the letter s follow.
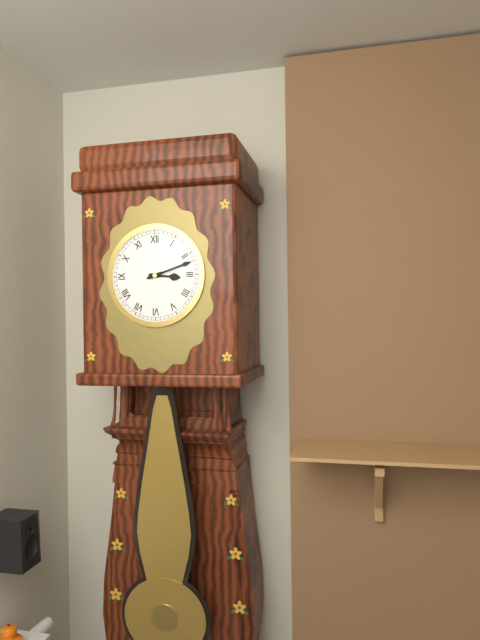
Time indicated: 3h12
